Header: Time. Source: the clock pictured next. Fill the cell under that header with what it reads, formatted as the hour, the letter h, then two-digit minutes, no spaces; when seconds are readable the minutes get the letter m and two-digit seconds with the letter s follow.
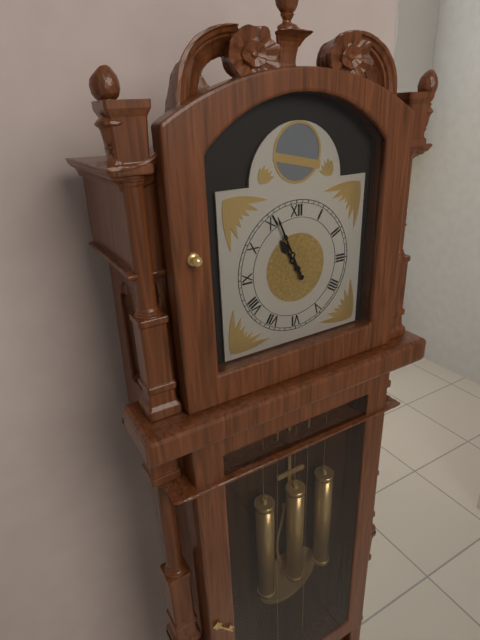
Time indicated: 10h56
